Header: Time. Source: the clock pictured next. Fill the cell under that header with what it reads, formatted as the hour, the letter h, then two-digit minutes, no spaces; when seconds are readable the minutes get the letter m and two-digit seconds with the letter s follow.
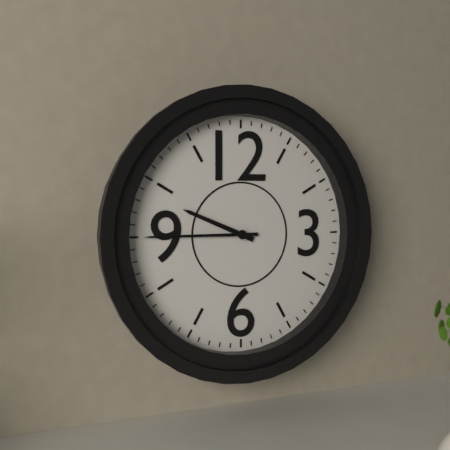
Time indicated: 9h45
